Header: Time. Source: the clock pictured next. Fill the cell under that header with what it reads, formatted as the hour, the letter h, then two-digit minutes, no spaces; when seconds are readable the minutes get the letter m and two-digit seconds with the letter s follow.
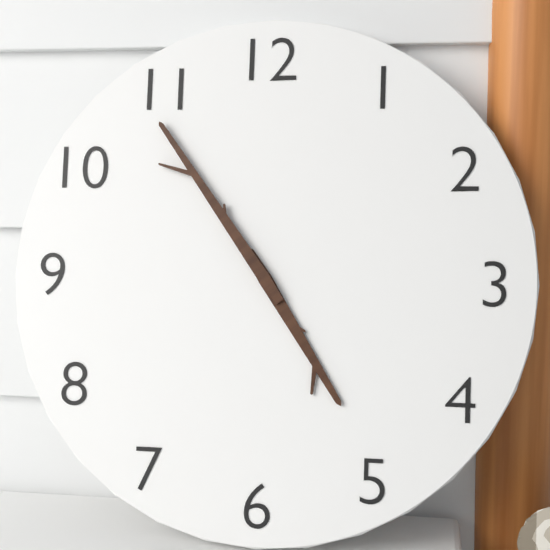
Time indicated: 4h54
